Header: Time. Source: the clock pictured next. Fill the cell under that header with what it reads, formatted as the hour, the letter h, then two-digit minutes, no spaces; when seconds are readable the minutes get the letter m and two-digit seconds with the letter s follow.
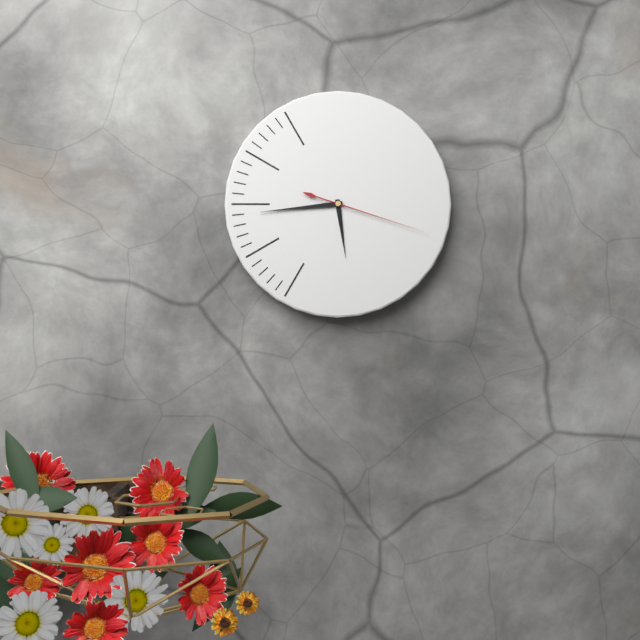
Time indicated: 5h44m18s
